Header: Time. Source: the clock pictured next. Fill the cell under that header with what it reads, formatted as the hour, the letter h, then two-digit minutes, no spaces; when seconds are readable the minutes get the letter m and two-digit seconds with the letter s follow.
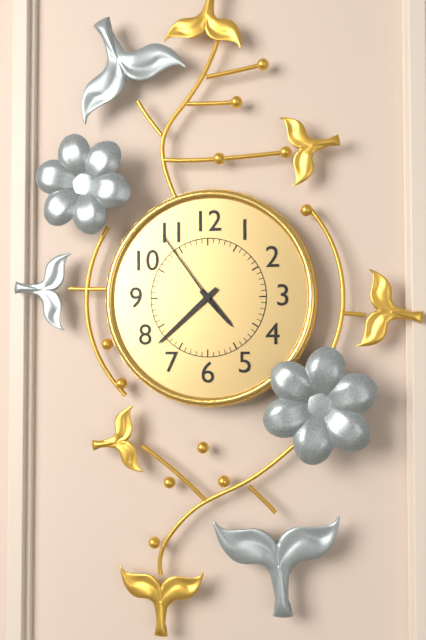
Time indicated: 4h38m54s
